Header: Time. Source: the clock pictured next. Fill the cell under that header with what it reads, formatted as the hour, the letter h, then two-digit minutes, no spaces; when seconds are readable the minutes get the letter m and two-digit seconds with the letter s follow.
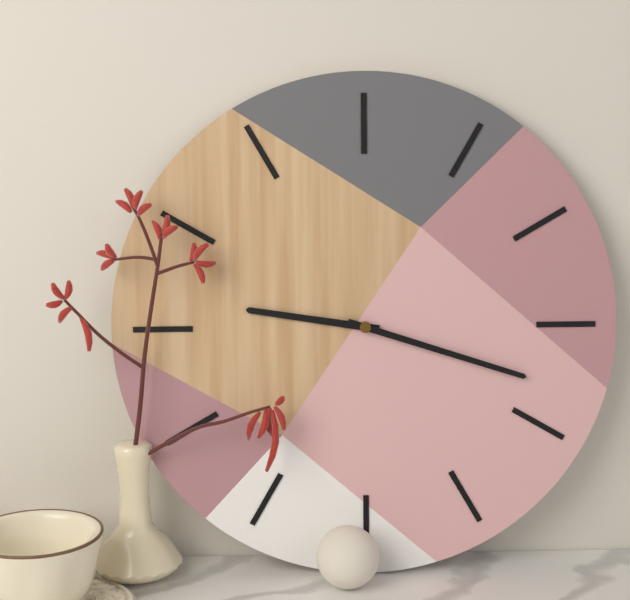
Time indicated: 9h18
